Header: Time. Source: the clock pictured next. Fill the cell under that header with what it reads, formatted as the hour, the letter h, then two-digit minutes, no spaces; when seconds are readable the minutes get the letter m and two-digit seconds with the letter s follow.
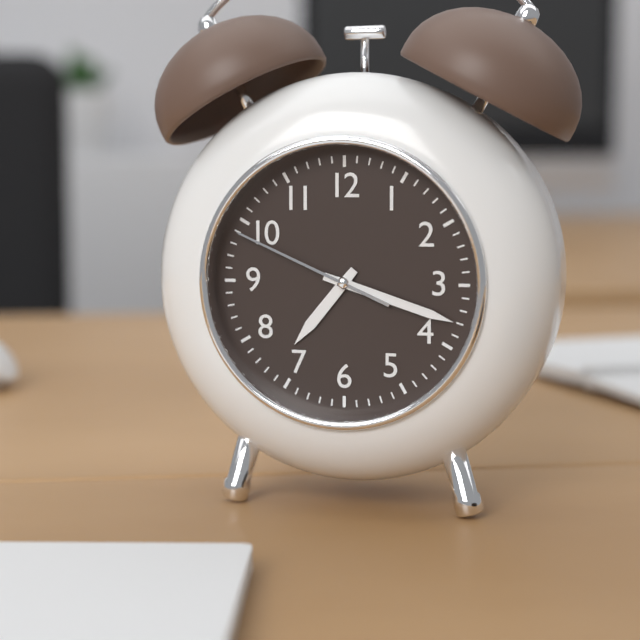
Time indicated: 7h18m49s
